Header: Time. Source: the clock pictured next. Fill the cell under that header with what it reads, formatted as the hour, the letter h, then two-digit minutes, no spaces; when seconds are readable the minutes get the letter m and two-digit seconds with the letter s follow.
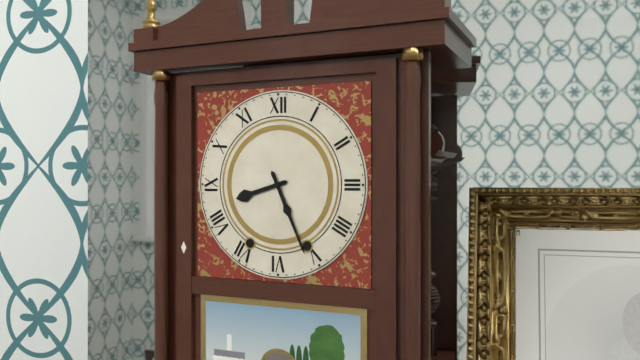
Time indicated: 8h26
